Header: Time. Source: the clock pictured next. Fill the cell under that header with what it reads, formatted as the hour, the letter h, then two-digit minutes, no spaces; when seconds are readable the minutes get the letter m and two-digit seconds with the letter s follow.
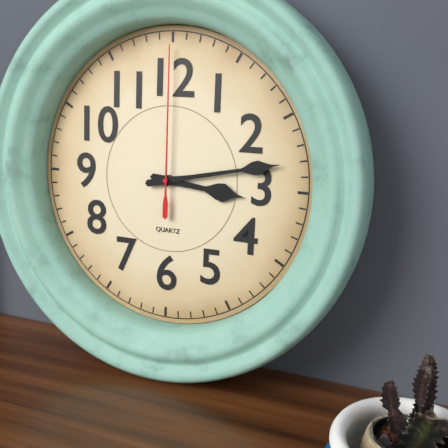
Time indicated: 3h13m00s
